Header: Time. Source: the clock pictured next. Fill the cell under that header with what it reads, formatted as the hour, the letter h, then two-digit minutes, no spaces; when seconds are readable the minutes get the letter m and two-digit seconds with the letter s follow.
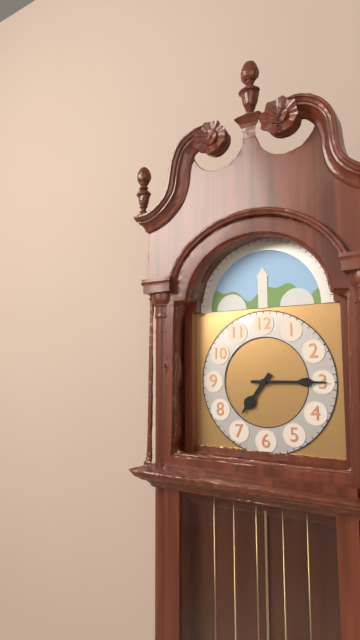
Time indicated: 7h15
